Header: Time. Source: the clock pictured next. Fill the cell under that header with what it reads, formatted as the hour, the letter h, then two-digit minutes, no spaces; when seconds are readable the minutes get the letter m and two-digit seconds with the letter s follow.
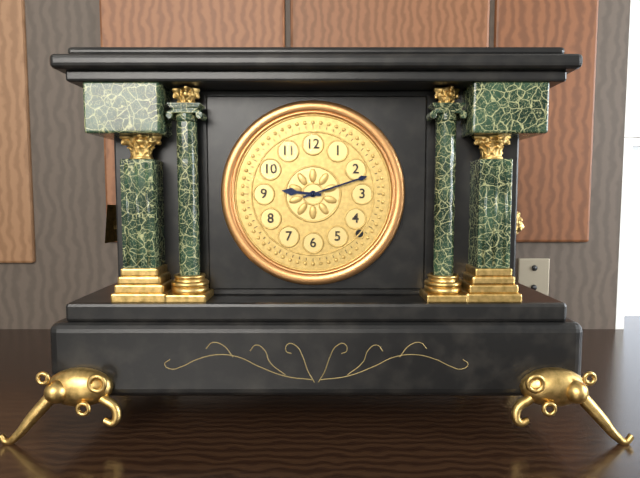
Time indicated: 9h12
